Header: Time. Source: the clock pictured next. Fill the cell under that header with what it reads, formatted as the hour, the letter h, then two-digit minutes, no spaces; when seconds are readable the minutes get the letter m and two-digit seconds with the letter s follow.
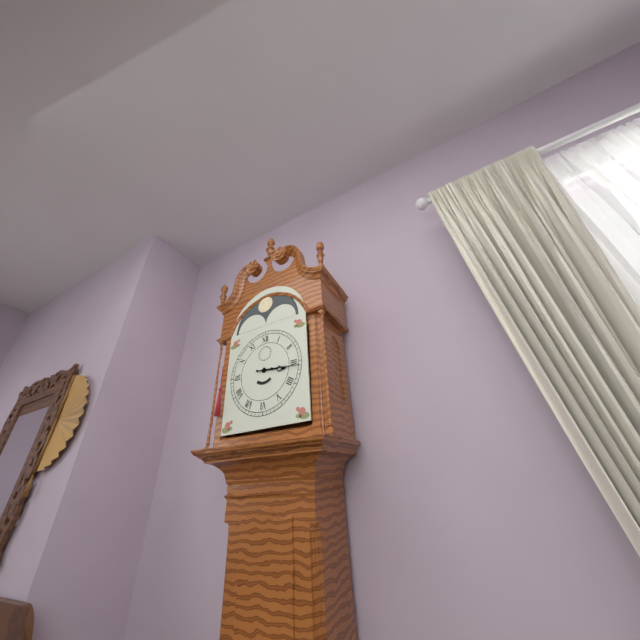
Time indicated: 3h16
